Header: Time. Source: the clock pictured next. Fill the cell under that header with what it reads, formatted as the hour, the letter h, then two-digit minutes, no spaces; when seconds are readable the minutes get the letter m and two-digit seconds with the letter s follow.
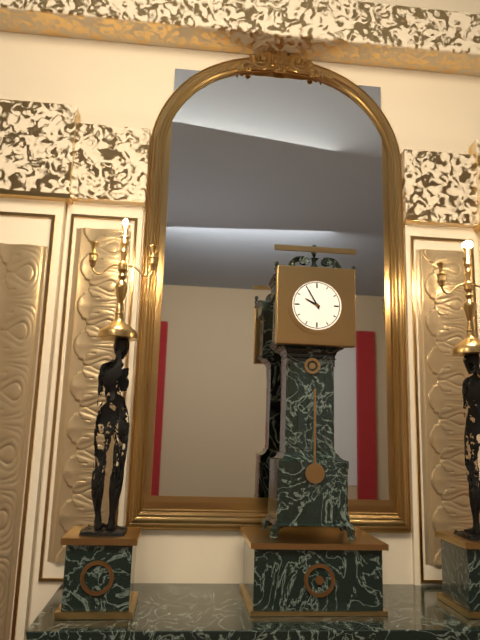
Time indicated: 9h55
